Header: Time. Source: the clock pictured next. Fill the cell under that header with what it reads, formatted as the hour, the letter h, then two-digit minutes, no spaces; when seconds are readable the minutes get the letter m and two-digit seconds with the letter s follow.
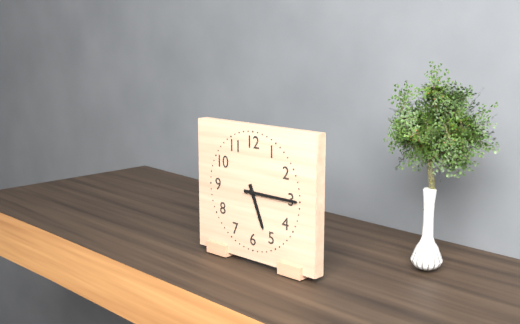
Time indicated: 5h15
